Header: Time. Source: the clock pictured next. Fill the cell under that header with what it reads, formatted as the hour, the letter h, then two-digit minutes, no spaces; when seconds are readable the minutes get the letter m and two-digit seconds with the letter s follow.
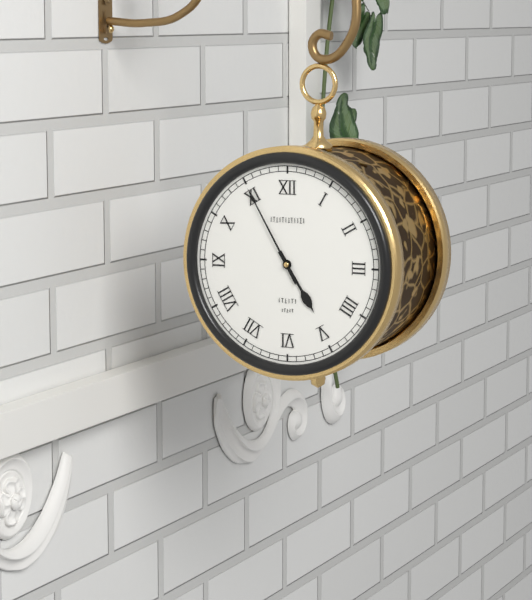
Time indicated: 4h55
